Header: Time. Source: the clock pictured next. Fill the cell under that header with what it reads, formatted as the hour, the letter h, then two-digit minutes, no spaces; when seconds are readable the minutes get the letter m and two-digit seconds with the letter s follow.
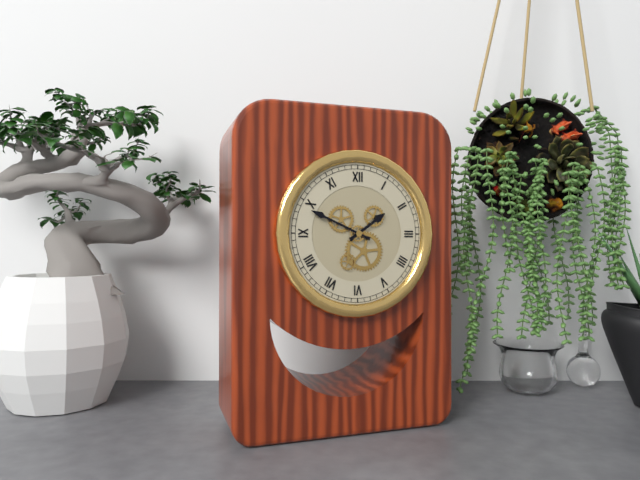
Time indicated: 1h49
